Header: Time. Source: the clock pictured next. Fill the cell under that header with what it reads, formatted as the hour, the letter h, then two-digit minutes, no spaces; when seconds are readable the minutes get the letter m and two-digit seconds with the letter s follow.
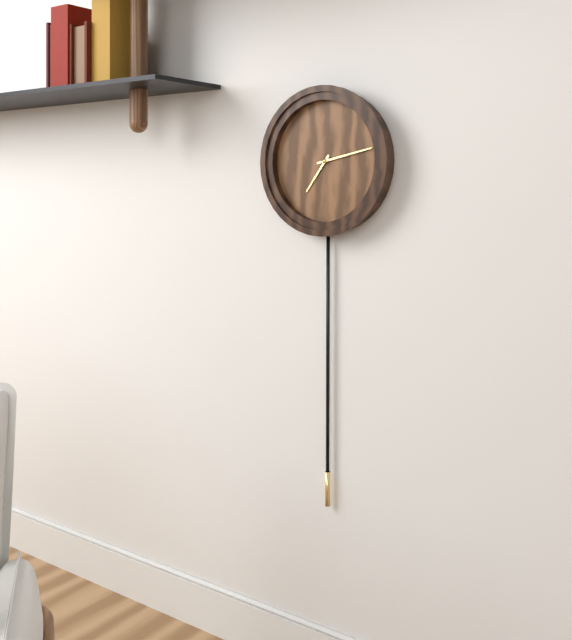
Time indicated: 7h13
